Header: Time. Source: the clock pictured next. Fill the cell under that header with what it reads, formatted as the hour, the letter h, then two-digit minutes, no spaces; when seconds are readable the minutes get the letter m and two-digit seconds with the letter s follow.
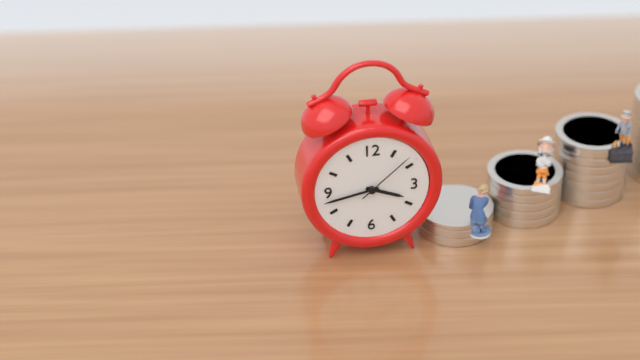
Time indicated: 3h43m08s
